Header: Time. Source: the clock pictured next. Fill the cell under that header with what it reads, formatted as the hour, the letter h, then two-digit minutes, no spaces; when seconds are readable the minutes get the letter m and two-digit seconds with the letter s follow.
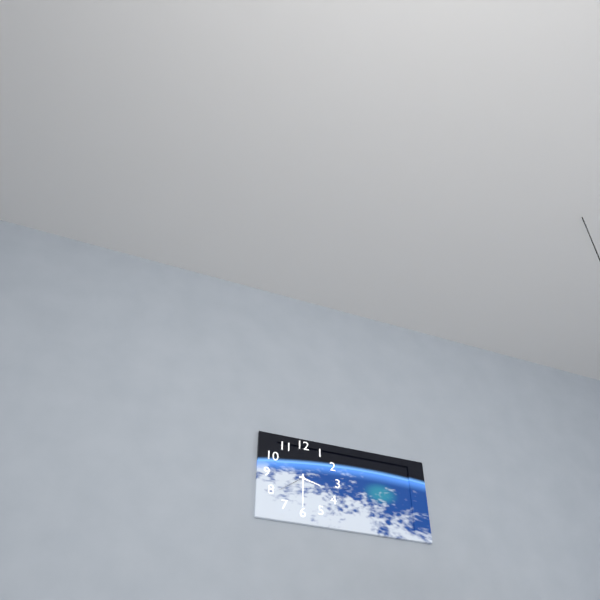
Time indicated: 3h30
